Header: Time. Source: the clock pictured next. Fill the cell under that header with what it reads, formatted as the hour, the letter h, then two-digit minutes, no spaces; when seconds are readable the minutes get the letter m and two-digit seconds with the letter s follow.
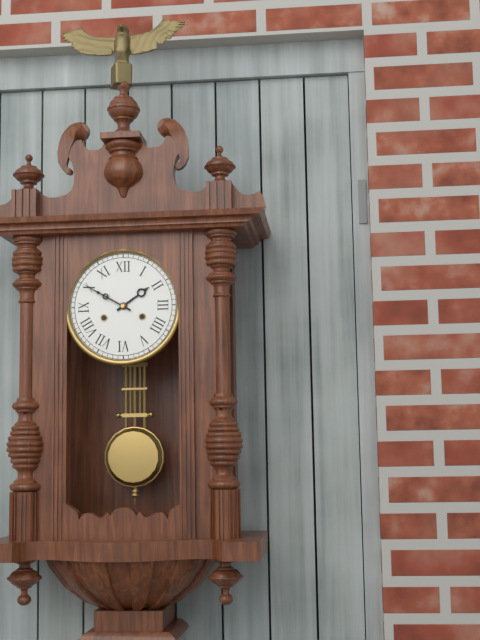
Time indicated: 1h50
